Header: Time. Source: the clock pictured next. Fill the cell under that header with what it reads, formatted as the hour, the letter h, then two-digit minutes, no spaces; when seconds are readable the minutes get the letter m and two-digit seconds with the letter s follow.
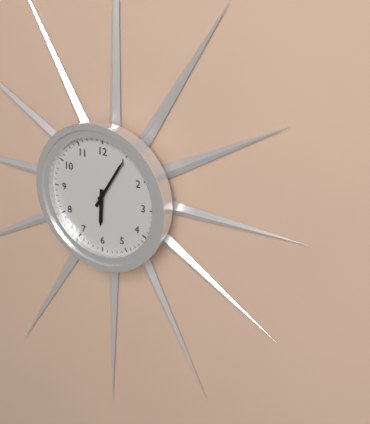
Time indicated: 6h05
